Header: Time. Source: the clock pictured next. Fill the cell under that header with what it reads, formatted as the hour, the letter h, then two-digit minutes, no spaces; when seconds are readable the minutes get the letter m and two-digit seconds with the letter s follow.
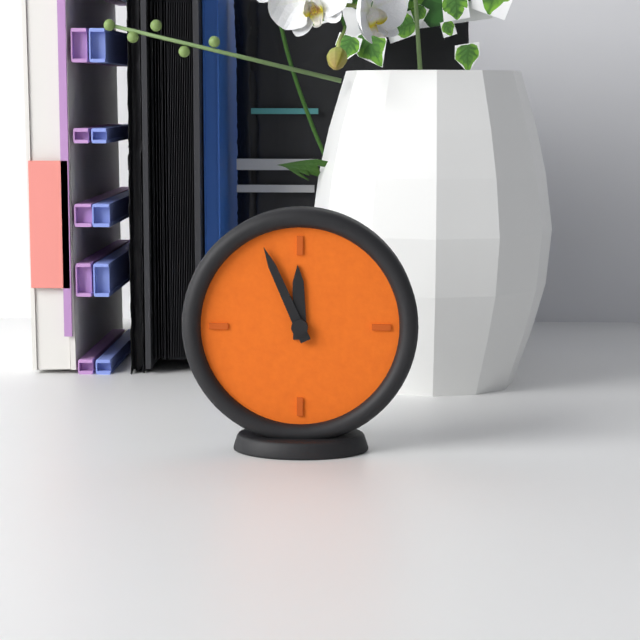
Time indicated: 11h56
